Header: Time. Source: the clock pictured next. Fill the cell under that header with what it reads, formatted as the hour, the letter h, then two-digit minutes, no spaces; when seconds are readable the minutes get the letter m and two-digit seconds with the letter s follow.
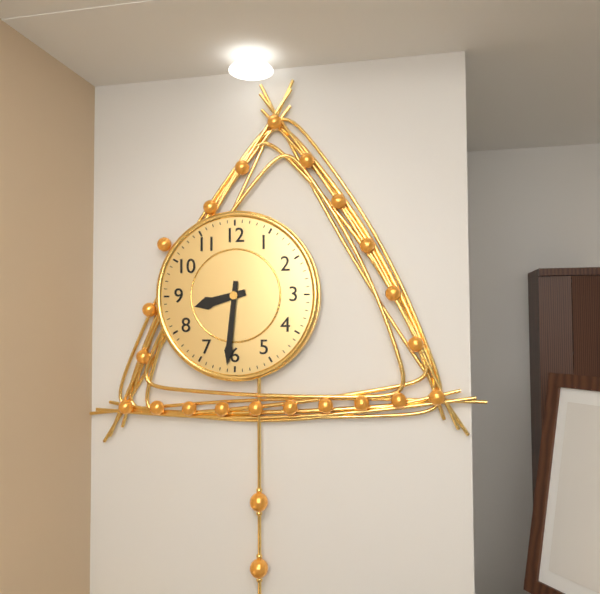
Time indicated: 8h31
